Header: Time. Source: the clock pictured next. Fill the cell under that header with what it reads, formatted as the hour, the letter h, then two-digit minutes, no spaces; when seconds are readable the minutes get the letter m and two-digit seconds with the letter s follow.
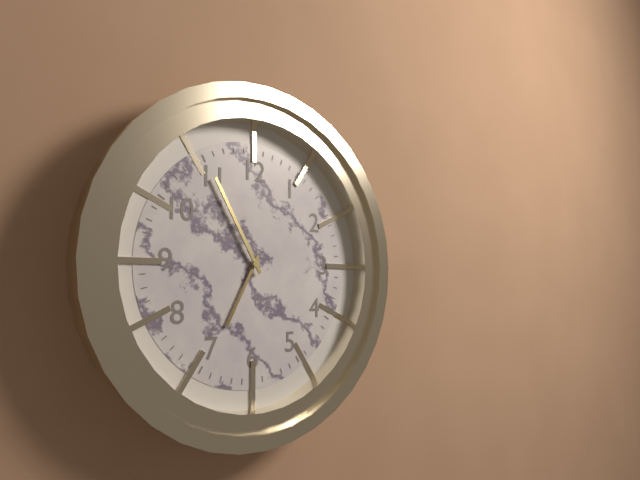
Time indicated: 6h55
